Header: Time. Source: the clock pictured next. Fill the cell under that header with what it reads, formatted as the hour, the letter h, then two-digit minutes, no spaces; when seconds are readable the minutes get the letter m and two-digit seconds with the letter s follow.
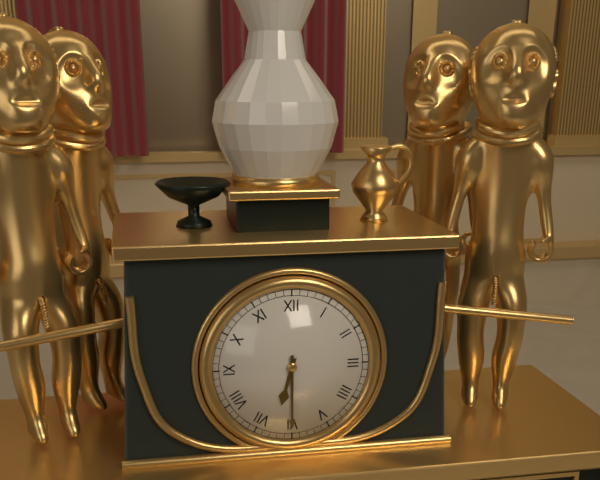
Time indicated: 6h30
